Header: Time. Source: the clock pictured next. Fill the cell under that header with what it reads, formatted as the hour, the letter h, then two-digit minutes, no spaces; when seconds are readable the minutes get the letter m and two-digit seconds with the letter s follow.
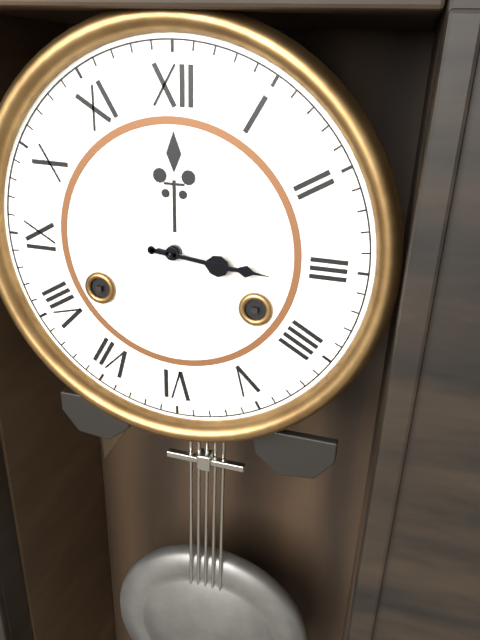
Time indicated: 3h16
